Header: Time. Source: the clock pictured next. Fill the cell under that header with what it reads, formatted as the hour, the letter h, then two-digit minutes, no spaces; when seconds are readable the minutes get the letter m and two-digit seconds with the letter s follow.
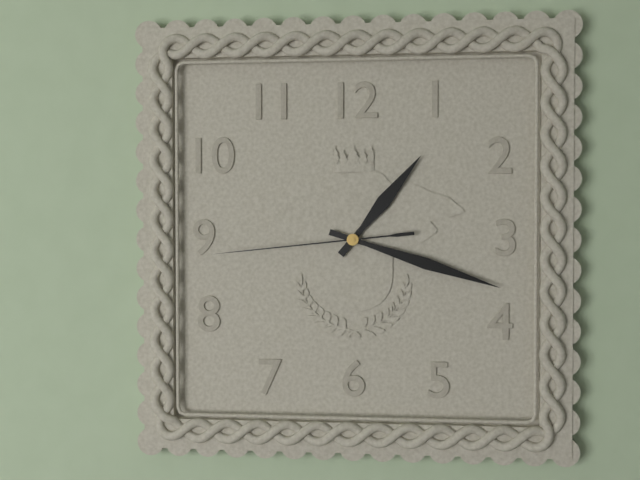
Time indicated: 1h18m44s
